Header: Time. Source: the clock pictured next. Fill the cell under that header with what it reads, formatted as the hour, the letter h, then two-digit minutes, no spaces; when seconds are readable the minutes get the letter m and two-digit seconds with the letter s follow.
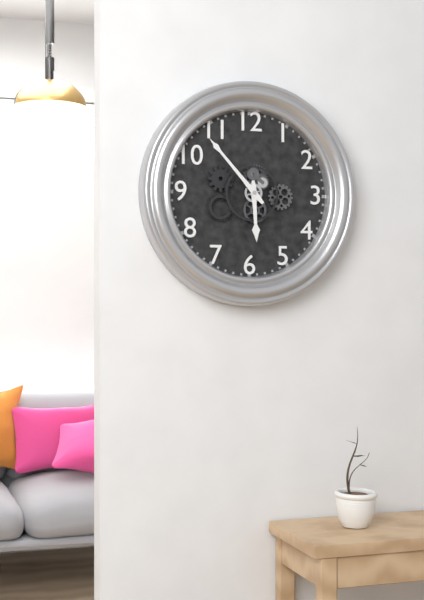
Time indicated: 5h53
